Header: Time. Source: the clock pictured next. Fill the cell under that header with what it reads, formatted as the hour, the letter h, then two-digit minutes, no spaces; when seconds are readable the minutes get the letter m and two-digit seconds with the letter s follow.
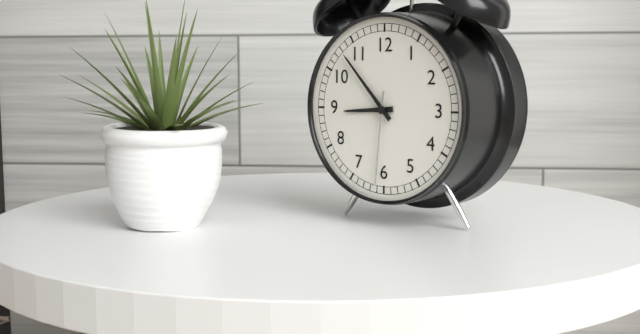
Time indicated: 8h53m31s
